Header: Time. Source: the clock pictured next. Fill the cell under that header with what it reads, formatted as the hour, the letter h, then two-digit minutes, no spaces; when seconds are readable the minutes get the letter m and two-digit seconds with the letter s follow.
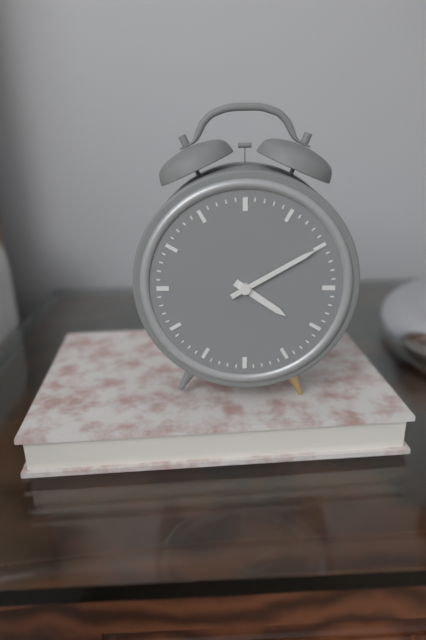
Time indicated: 4h10
